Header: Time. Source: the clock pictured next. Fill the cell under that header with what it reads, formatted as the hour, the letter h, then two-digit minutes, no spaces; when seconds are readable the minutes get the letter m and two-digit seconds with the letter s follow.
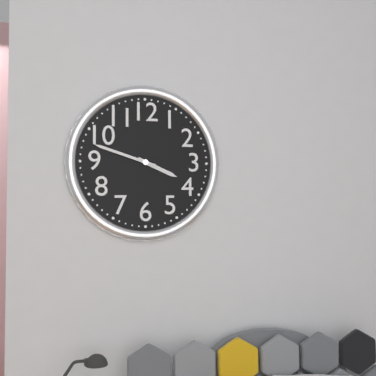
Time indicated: 3h48
